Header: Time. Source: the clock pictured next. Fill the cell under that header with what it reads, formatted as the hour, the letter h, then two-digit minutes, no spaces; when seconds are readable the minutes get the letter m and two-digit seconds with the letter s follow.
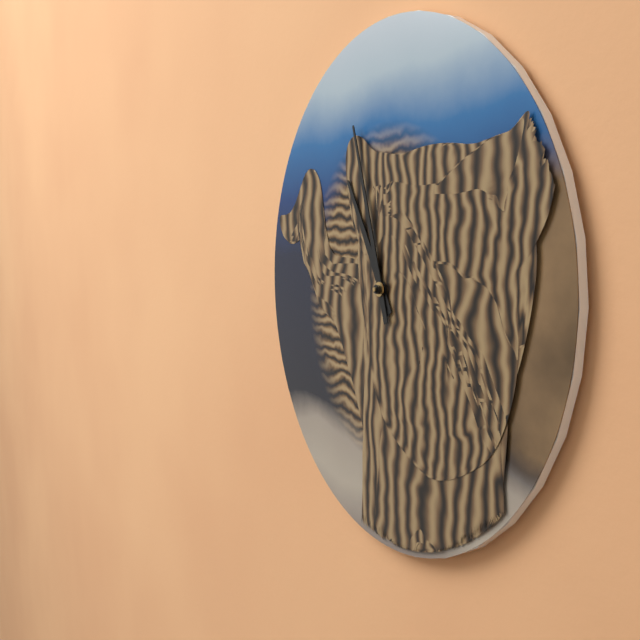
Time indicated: 10h57
